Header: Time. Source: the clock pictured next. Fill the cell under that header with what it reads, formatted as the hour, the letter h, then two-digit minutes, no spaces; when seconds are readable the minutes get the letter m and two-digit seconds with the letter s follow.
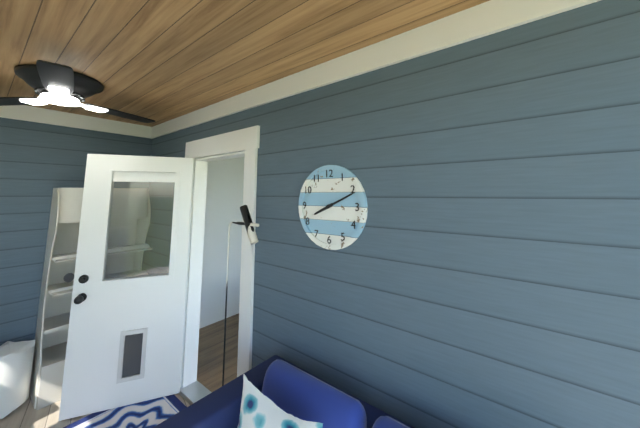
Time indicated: 8h11
